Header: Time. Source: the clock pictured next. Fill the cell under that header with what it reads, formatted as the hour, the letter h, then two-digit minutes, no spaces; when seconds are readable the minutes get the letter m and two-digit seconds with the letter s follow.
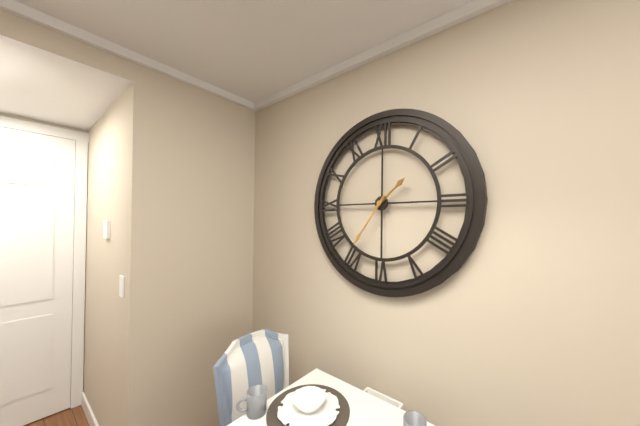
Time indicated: 1h36
